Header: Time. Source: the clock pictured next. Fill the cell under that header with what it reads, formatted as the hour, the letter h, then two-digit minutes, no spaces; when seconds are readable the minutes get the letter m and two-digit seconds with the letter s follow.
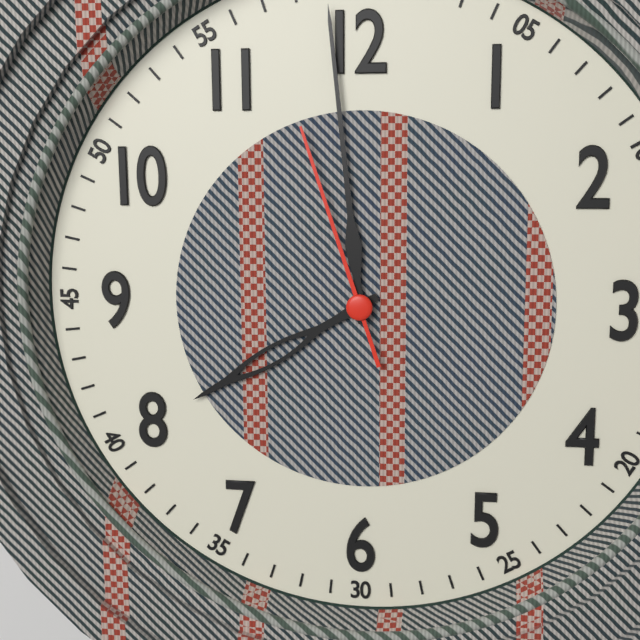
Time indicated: 7h59m57s
